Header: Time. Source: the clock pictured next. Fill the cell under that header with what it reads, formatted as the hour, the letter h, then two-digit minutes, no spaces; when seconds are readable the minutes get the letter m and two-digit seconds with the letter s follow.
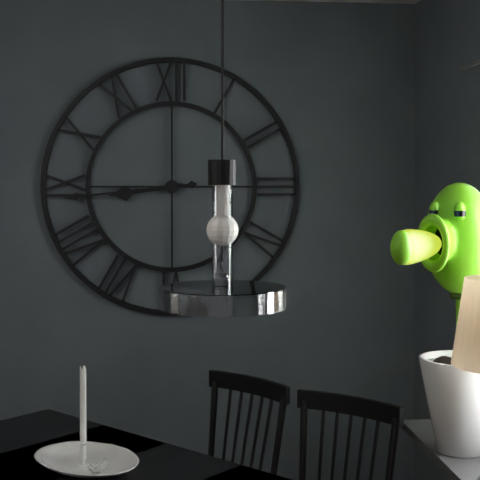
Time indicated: 8h44
